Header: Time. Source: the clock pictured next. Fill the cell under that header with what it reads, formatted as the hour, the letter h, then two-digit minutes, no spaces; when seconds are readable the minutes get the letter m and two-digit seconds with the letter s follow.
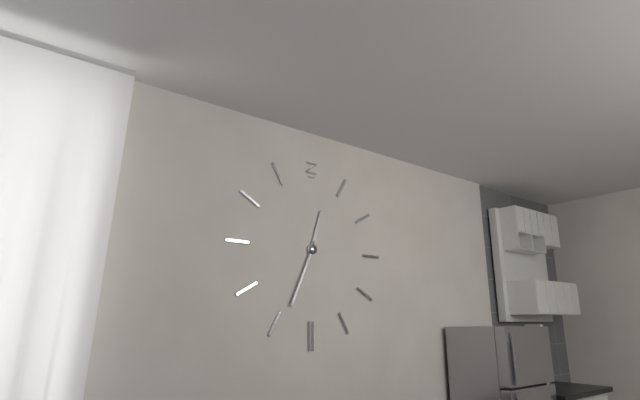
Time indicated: 12h34
